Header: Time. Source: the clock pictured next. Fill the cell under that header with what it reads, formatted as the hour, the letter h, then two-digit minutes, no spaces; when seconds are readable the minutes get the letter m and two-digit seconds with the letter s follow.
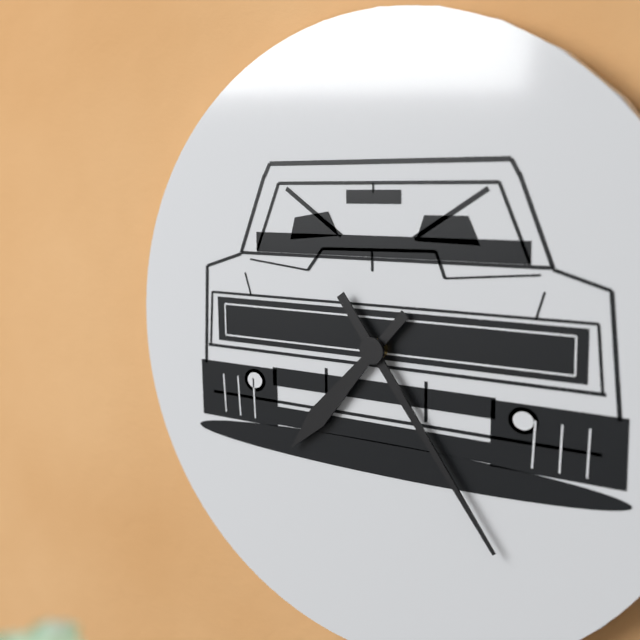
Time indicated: 7h24
